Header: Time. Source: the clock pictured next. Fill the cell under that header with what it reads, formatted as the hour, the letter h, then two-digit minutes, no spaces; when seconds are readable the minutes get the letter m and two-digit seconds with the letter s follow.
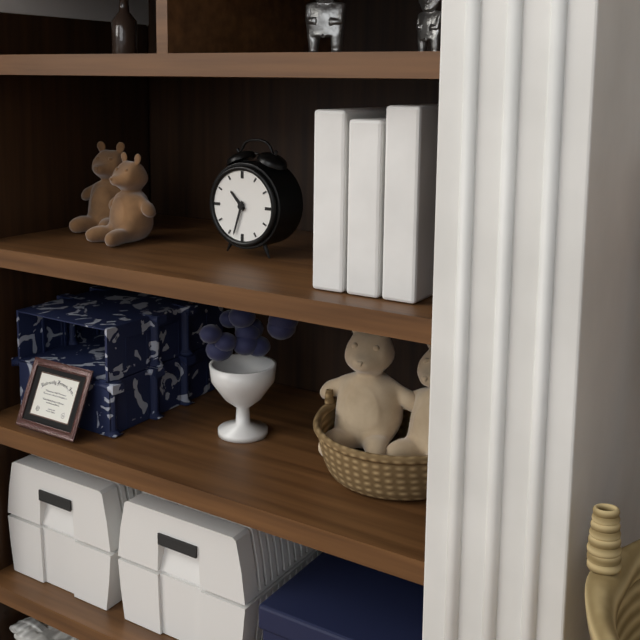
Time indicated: 10h33
